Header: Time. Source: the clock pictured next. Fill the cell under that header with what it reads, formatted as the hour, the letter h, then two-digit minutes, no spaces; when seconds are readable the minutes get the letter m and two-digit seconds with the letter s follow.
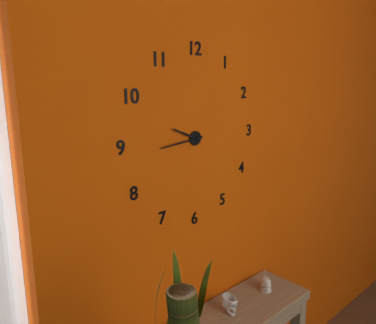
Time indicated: 9h44
